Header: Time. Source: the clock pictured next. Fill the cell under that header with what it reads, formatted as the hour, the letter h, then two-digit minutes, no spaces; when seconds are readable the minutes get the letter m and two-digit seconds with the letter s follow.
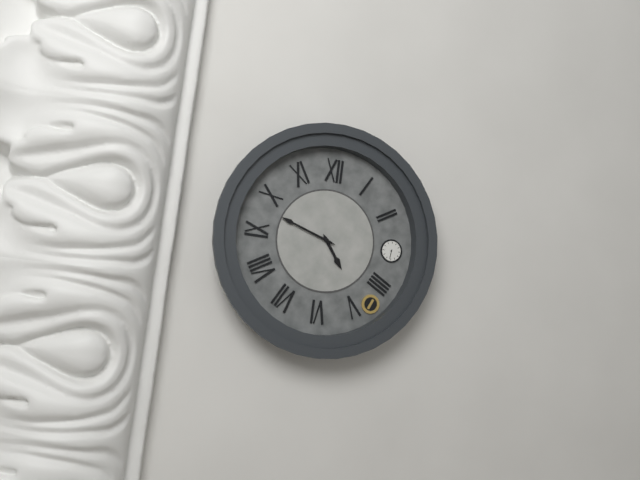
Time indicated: 4h48
